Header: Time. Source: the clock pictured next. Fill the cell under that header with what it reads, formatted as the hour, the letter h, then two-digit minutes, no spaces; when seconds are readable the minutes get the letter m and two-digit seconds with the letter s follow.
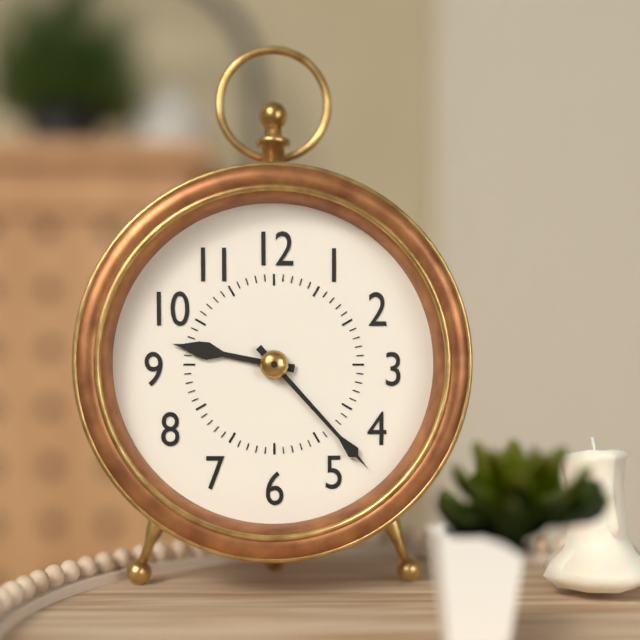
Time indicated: 9h23
